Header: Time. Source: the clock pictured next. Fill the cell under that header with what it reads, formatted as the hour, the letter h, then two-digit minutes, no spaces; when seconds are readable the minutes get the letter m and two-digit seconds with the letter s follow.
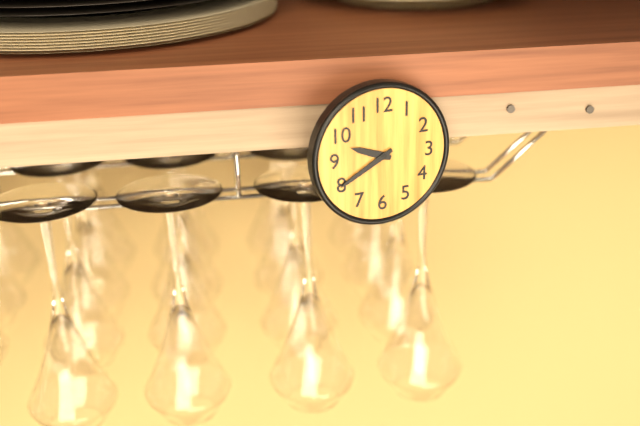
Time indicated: 9h40
